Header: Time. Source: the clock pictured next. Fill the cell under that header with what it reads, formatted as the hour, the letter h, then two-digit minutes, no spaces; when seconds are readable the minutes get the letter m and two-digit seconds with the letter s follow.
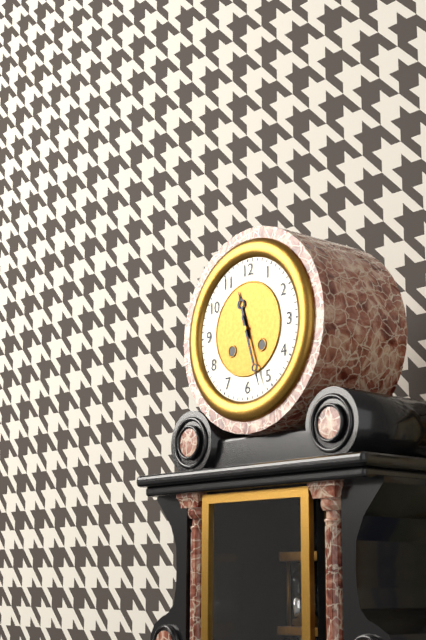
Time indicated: 11h27
